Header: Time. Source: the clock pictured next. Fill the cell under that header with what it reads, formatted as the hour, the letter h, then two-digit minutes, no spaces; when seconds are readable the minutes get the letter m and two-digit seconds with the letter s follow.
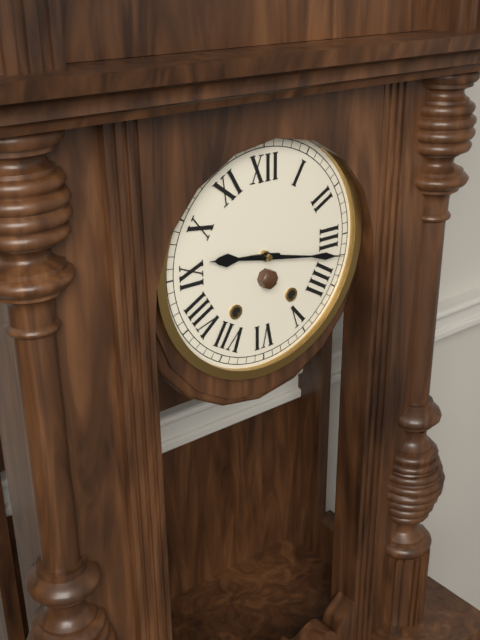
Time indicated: 9h17
